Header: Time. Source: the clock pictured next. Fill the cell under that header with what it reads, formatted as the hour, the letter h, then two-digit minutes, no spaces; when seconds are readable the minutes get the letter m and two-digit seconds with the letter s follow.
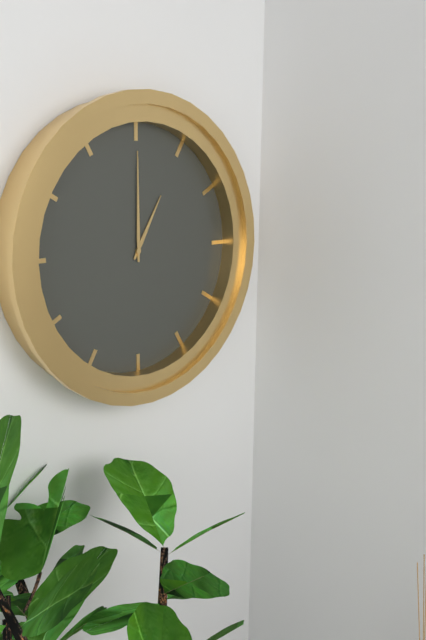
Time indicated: 1h00
